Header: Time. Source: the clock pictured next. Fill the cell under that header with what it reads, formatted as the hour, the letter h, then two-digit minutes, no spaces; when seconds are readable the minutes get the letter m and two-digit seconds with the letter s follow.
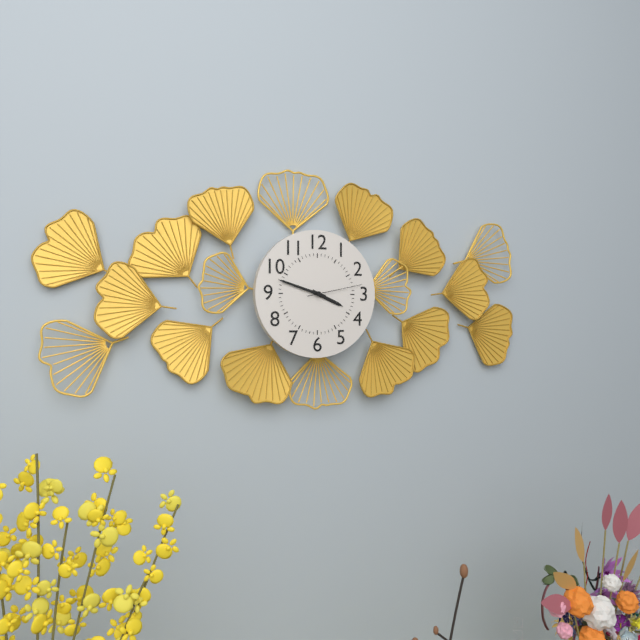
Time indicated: 3h48m13s
